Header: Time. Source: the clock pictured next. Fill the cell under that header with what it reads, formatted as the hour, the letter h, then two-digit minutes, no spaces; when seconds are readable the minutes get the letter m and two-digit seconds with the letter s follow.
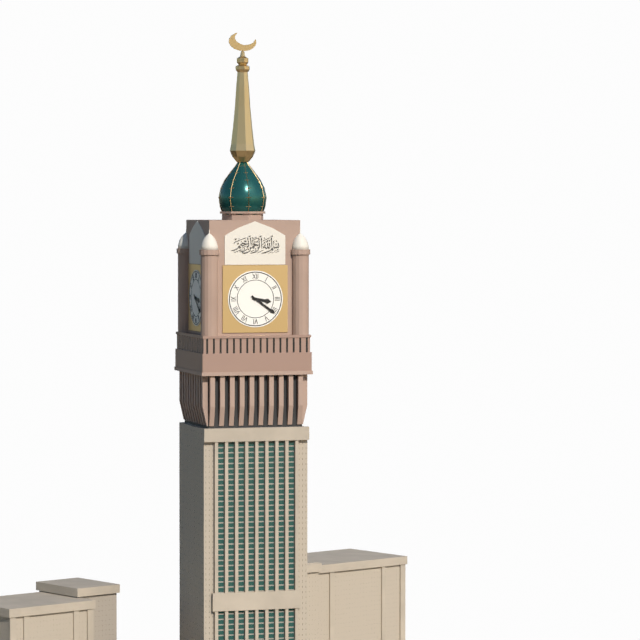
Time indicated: 3h21
